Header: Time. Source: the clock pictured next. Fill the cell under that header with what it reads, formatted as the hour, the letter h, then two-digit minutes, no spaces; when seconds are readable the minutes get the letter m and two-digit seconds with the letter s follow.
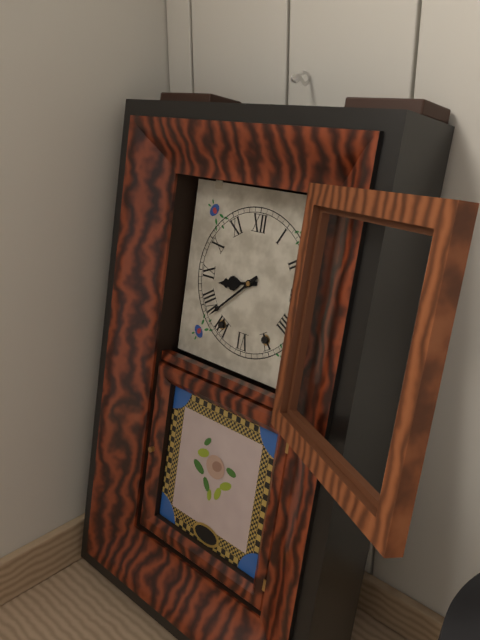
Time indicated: 8h38
